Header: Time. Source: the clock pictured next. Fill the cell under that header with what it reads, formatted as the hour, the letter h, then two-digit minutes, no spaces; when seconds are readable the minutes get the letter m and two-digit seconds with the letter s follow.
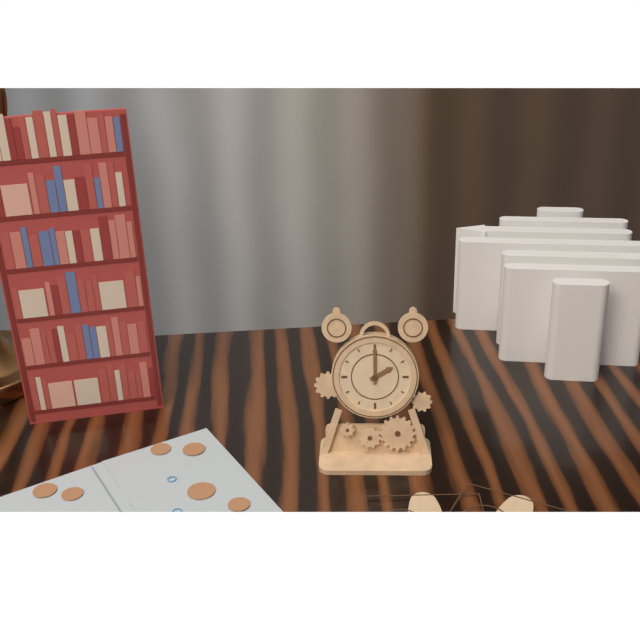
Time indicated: 2h00
